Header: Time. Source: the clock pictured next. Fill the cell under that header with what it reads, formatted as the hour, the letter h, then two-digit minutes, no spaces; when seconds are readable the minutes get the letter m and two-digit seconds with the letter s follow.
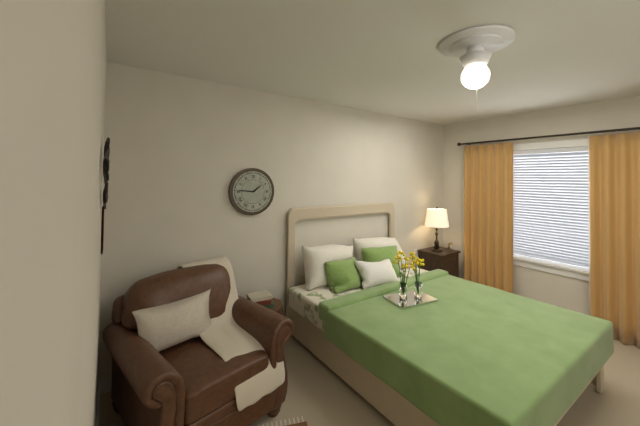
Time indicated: 1h46
